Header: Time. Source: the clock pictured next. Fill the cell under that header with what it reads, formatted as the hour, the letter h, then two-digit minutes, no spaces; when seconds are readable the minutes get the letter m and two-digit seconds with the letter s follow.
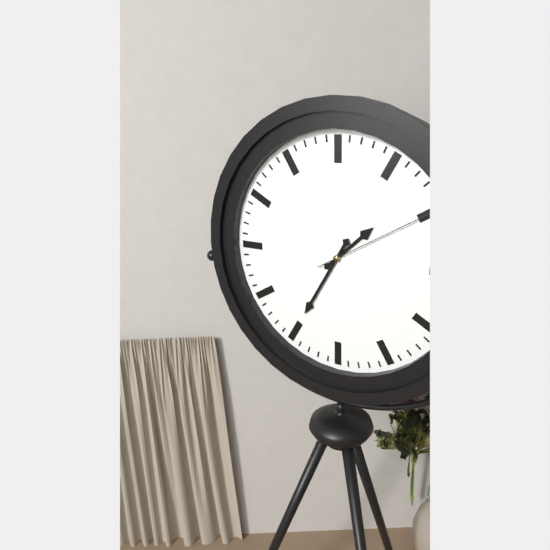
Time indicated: 1h35m10s
